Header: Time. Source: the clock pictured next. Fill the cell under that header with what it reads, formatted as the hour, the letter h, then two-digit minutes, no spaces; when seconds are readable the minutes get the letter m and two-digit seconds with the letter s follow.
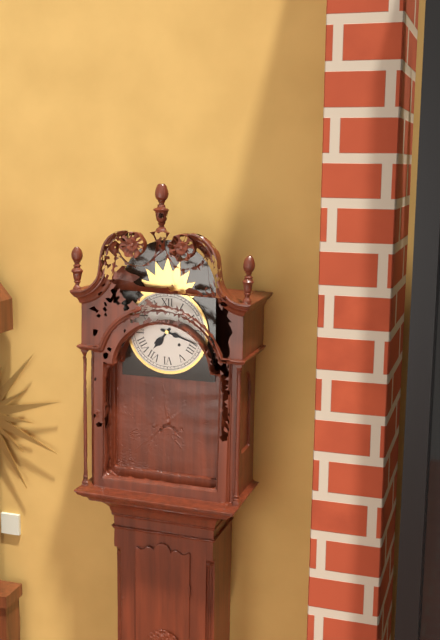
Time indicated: 7h18
